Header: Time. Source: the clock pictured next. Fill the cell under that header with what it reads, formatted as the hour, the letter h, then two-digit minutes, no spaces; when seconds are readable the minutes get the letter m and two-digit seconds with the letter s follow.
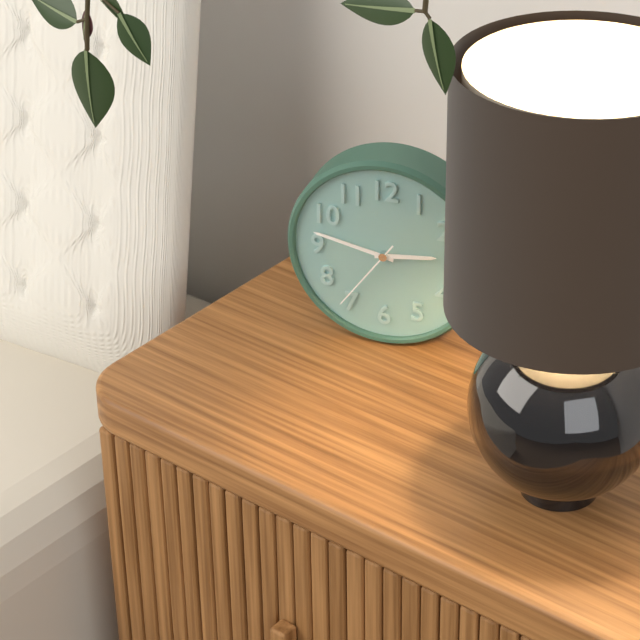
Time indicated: 2h47m36s
